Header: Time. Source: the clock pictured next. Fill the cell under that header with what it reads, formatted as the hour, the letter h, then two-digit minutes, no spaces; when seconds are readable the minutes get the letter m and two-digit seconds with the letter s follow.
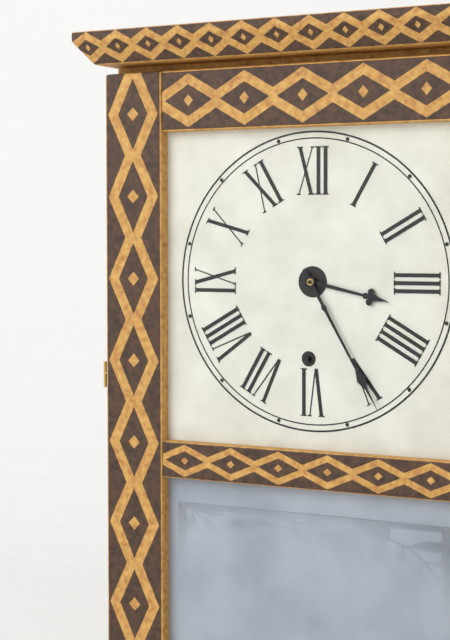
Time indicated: 3h25
